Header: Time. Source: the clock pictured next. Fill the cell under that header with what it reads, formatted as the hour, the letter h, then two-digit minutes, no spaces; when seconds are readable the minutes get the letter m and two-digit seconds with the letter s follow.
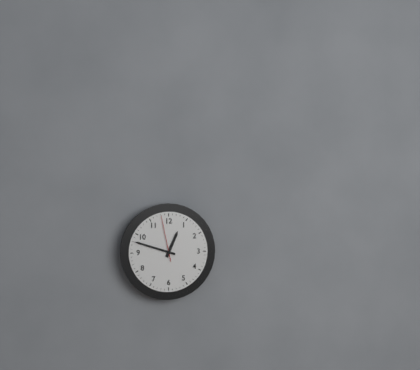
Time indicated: 12h48
